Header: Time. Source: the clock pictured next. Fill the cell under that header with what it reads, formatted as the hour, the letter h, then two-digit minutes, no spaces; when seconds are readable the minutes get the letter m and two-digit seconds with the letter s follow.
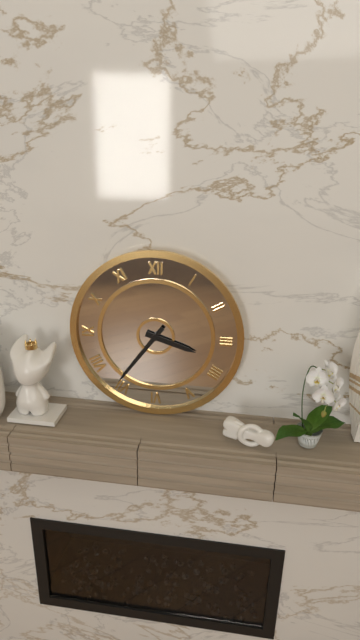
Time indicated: 3h36
